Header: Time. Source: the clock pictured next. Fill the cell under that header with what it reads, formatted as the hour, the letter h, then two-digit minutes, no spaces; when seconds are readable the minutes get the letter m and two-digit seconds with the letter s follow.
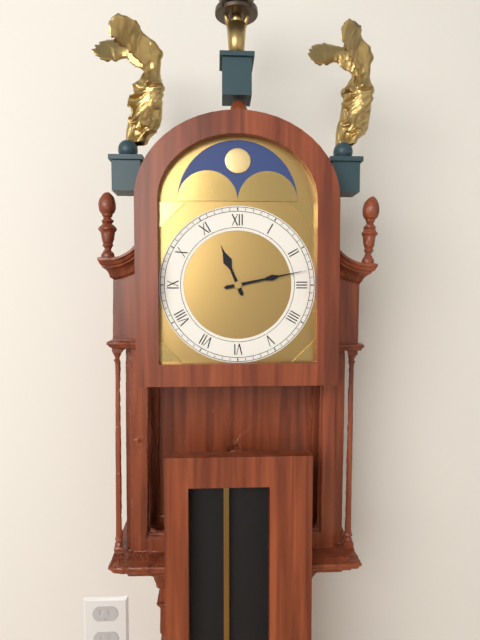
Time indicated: 11h13
